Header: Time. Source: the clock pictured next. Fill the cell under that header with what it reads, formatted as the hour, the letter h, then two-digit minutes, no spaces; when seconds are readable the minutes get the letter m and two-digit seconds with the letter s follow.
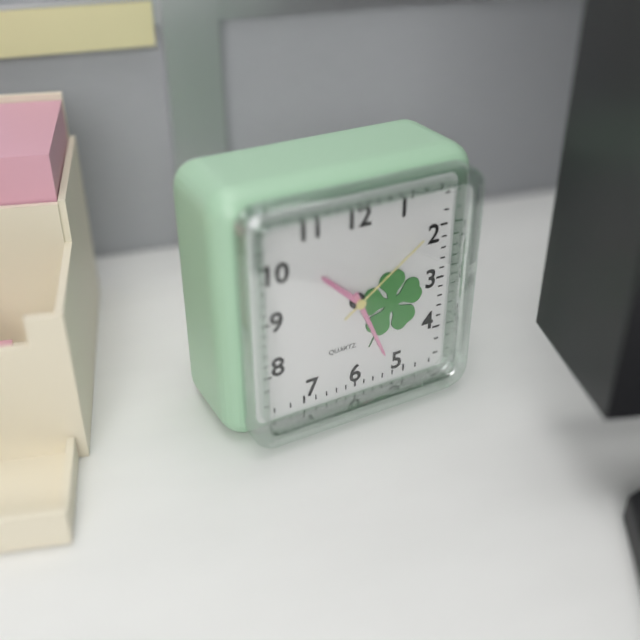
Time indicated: 10h26m09s
